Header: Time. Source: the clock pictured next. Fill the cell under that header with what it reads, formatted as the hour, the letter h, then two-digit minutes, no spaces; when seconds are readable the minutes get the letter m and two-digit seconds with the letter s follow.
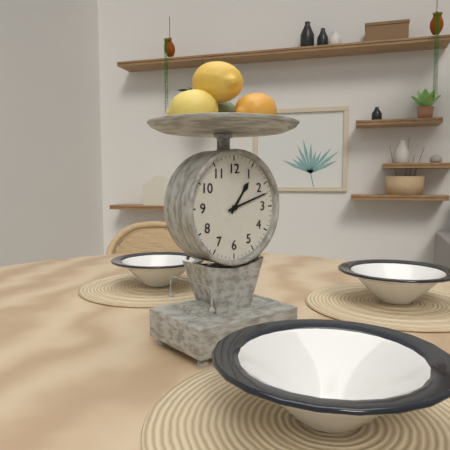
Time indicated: 1h12
